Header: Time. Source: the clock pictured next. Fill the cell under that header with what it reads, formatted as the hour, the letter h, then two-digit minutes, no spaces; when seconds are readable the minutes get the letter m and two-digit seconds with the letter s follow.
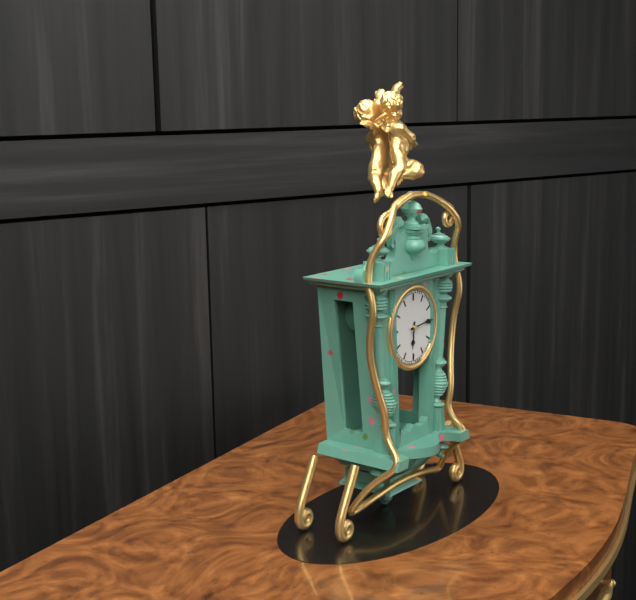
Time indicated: 6h14
